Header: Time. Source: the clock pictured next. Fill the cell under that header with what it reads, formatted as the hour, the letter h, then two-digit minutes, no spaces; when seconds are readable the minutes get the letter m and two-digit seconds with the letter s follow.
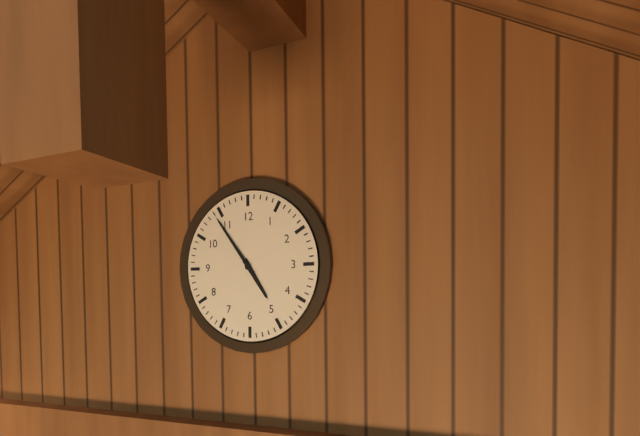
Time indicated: 4h54
